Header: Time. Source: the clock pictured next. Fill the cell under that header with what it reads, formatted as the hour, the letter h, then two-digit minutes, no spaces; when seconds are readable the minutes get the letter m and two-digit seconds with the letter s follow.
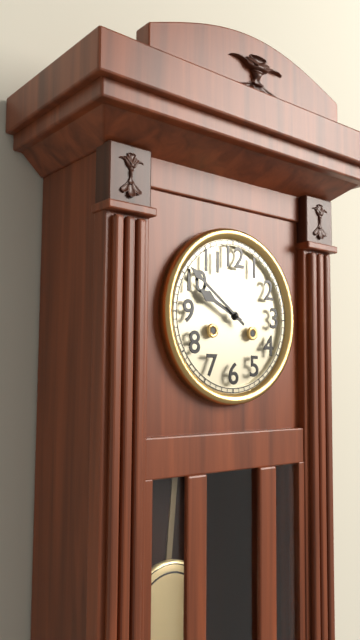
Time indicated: 9h51
